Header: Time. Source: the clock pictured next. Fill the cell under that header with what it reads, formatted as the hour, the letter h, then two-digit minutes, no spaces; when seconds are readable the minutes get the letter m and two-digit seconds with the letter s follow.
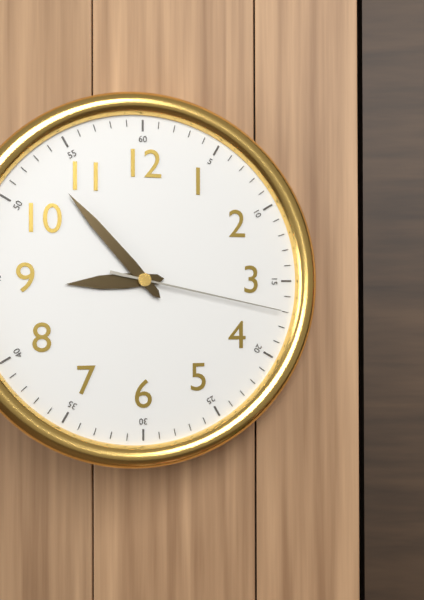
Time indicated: 8h53m17s
